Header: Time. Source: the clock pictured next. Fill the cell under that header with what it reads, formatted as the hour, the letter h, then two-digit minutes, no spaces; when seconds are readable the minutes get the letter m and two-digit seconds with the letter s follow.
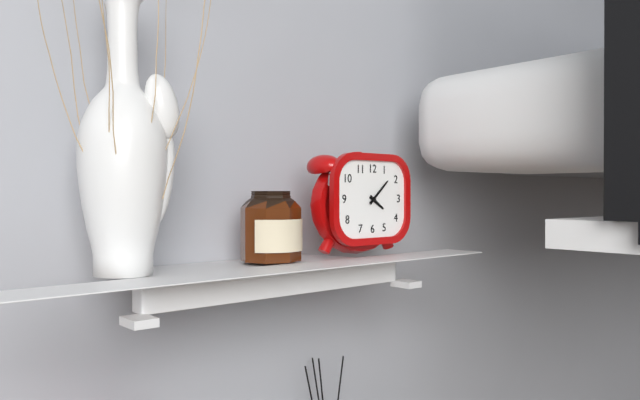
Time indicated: 4h08
